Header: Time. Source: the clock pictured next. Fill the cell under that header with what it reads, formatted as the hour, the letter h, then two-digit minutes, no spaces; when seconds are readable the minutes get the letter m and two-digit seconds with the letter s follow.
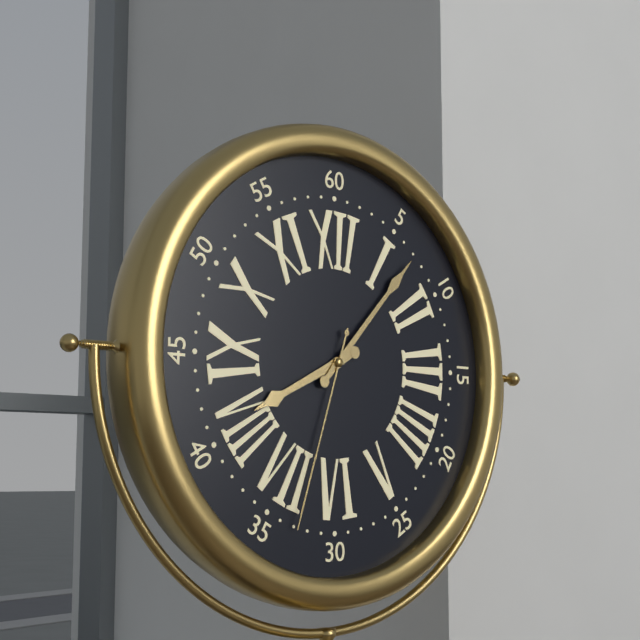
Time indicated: 8h07m33s
